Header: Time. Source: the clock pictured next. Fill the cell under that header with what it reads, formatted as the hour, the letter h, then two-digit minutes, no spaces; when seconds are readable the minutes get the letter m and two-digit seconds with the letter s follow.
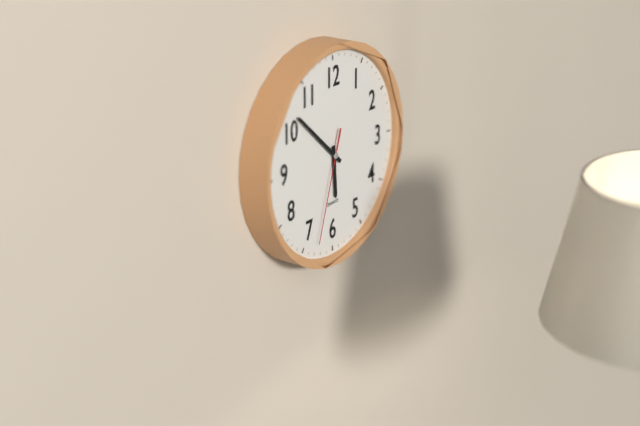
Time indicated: 5h52m33s
